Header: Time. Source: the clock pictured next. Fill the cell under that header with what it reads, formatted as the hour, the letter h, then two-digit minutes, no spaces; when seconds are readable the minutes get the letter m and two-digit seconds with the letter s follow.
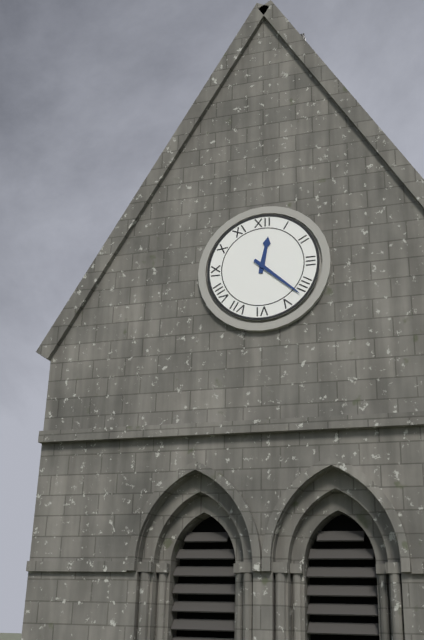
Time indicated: 12h22
